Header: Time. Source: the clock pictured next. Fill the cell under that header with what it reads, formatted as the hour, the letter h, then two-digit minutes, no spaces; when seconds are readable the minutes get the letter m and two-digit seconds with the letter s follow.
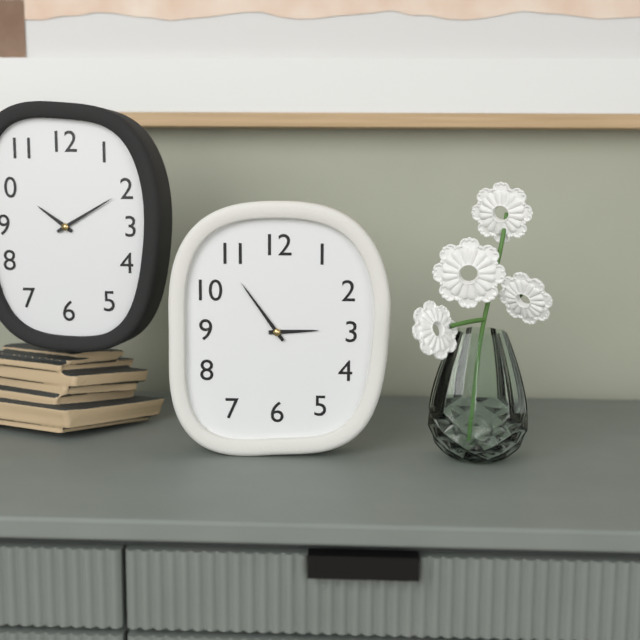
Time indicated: 2h54
